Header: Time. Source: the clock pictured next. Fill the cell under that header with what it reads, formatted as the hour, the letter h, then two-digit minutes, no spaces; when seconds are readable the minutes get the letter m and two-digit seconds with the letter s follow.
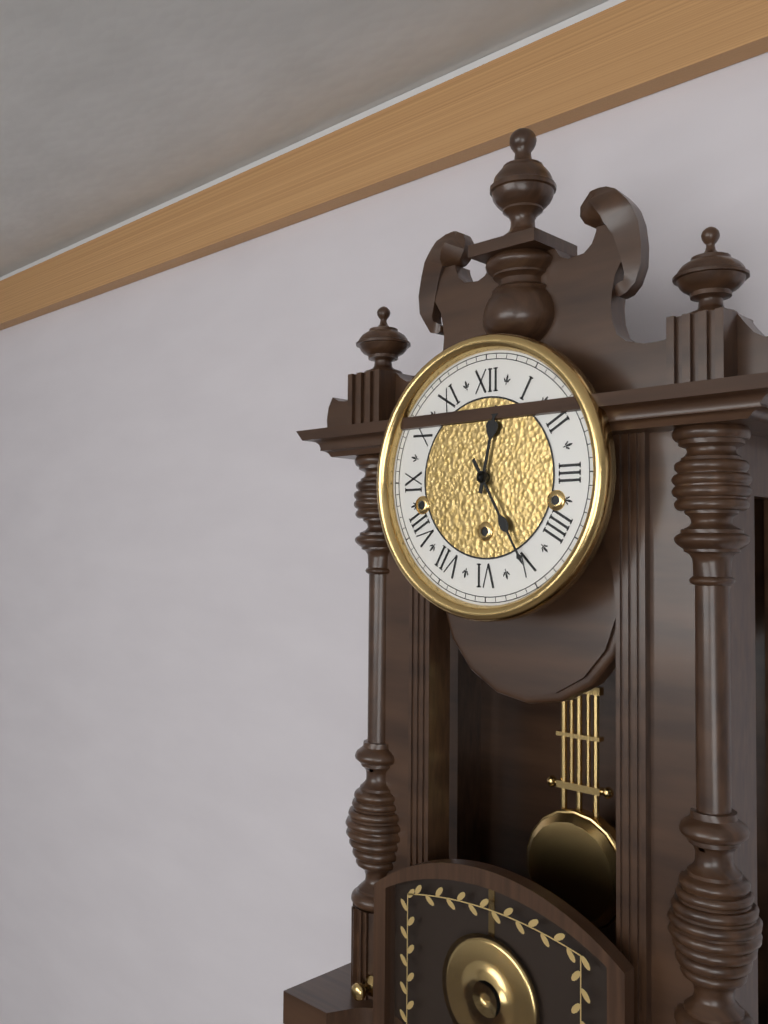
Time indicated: 12h25
